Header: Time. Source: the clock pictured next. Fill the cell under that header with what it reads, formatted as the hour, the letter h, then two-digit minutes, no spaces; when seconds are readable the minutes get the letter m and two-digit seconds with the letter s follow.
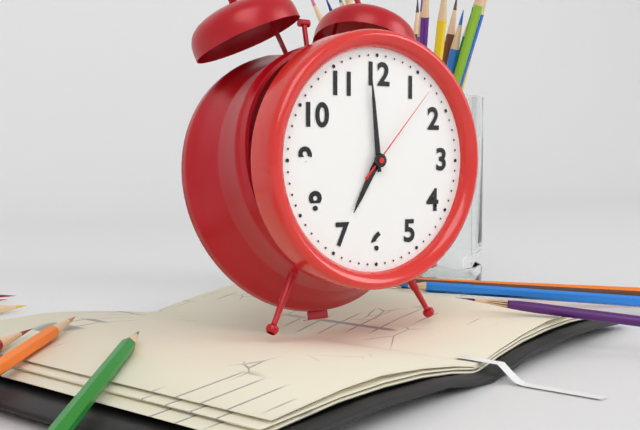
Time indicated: 6h59m07s
